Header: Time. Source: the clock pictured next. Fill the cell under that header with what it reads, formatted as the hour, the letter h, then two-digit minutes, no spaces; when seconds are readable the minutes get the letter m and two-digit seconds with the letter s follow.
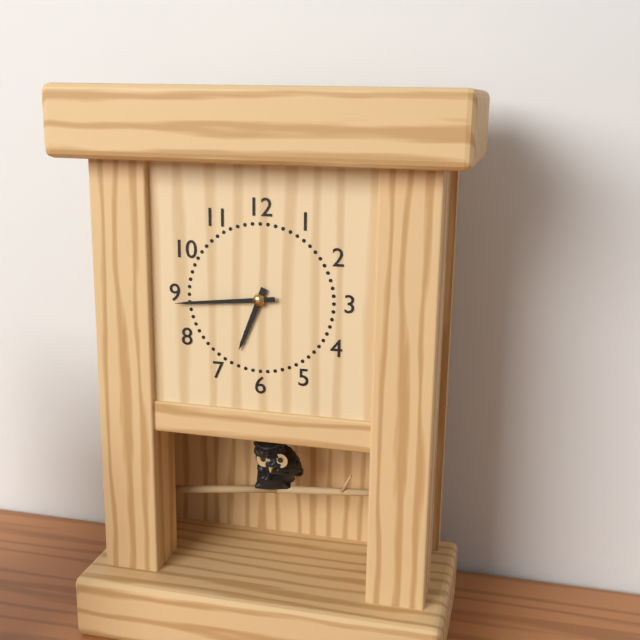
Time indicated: 6h44
